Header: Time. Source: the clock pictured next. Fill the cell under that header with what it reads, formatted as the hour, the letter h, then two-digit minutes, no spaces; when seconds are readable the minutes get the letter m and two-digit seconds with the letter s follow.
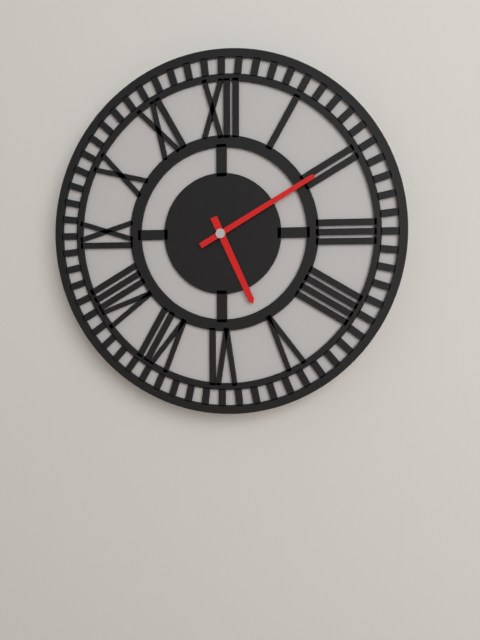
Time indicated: 5h10
